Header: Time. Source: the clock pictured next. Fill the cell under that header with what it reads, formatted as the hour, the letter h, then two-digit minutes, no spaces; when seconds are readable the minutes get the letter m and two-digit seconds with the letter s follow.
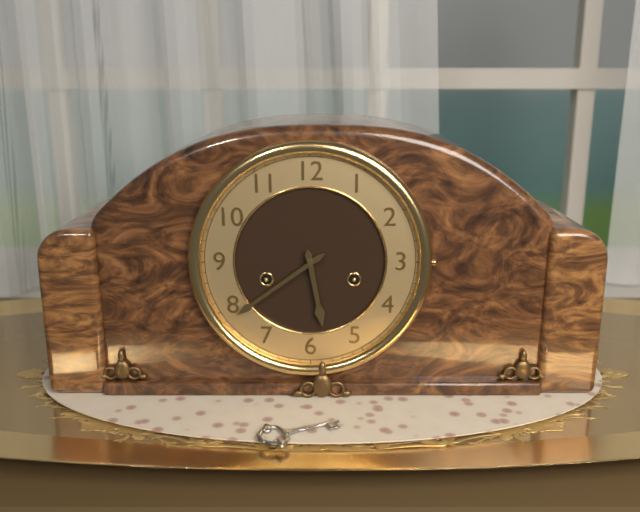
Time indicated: 5h39
